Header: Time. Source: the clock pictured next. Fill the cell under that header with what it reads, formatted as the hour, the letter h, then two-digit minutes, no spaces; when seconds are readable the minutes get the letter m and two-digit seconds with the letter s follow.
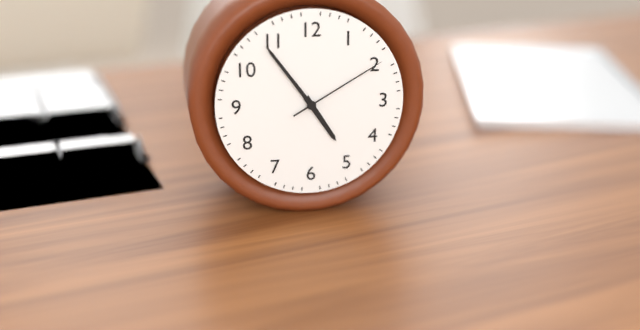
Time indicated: 4h54m10s
